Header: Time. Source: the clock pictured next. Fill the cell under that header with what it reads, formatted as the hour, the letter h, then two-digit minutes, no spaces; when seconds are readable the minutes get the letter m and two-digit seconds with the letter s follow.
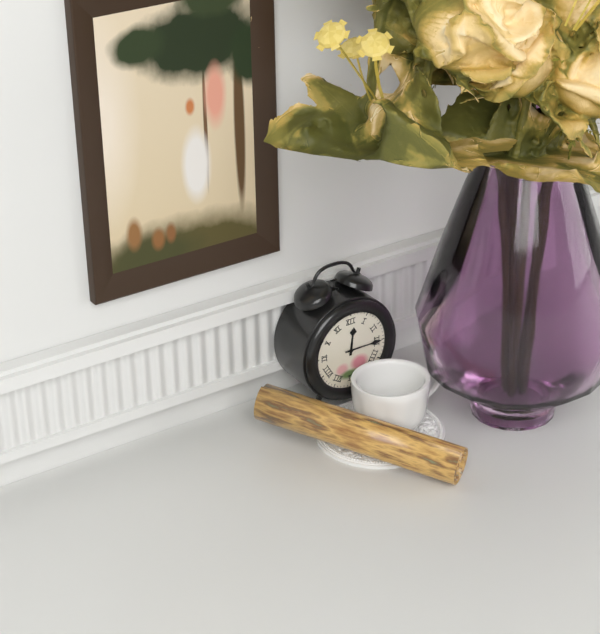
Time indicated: 12h15
